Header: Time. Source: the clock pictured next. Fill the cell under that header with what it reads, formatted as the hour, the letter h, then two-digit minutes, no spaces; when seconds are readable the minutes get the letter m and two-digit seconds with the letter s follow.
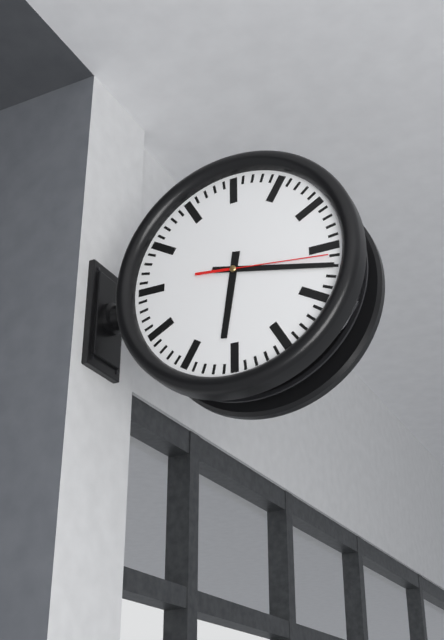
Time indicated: 6h17m16s
